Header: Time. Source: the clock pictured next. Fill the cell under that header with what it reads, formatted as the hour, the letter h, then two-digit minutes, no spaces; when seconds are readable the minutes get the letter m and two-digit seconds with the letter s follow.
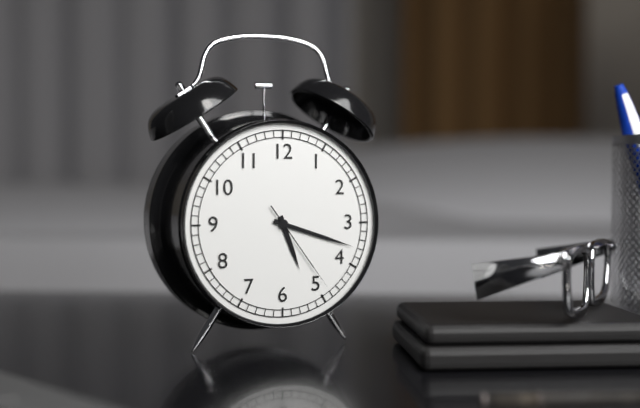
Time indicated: 5h18m24s
